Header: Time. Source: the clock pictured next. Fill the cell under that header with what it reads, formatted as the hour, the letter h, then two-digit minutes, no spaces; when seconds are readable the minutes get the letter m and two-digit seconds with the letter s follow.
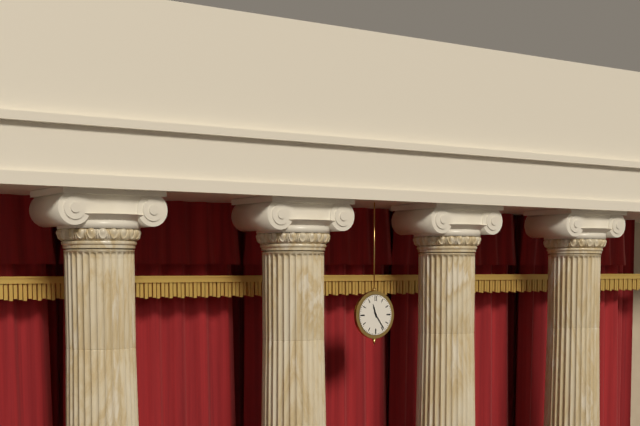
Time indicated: 11h24
